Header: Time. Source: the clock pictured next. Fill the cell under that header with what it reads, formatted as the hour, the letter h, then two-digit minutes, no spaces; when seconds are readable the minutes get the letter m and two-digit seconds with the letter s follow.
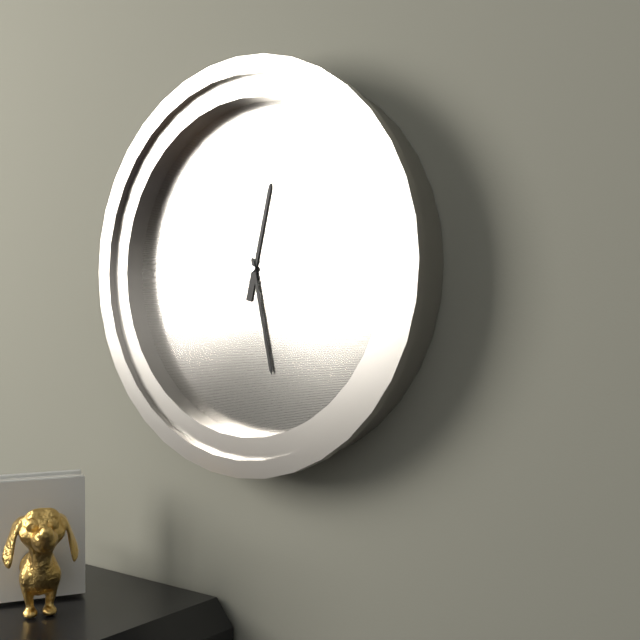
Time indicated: 12h28
